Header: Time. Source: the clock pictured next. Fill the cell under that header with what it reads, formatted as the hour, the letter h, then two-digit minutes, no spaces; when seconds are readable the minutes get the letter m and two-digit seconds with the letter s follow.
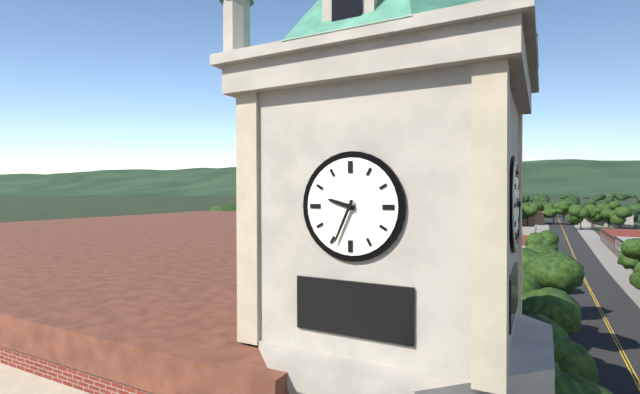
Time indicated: 9h34
